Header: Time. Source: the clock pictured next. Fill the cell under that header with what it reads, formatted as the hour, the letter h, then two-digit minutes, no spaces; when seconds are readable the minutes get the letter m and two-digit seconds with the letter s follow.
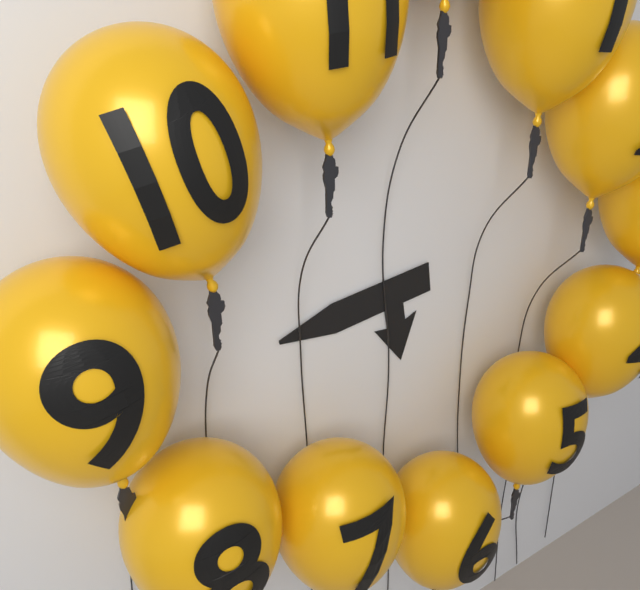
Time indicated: 5h44
